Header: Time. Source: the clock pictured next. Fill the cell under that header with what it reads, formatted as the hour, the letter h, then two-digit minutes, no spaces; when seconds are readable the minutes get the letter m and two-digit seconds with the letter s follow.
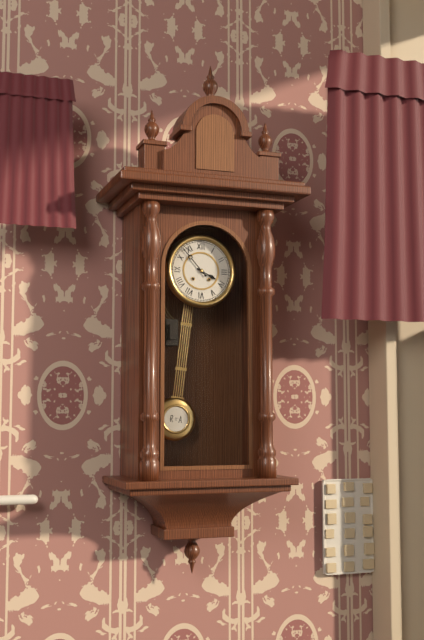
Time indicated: 3h53
